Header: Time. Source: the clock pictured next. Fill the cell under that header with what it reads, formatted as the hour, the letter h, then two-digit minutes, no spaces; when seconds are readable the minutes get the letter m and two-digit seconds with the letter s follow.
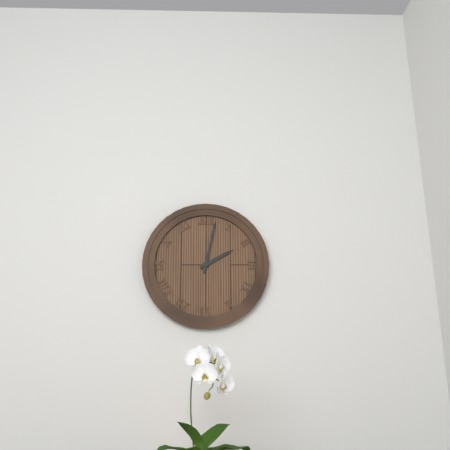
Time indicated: 2h02
